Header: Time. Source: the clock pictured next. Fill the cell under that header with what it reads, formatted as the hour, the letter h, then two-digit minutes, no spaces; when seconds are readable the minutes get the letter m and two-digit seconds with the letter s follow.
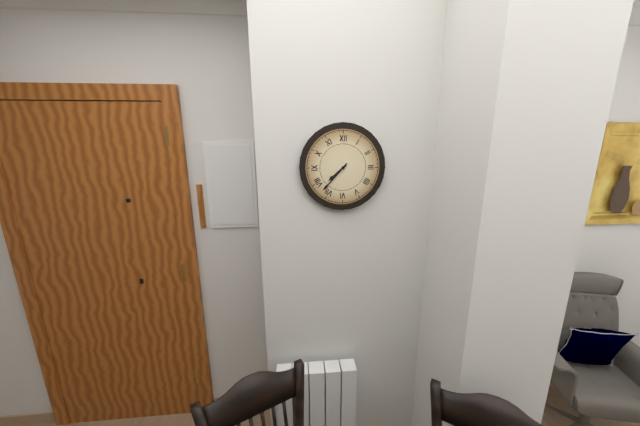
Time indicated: 7h37
